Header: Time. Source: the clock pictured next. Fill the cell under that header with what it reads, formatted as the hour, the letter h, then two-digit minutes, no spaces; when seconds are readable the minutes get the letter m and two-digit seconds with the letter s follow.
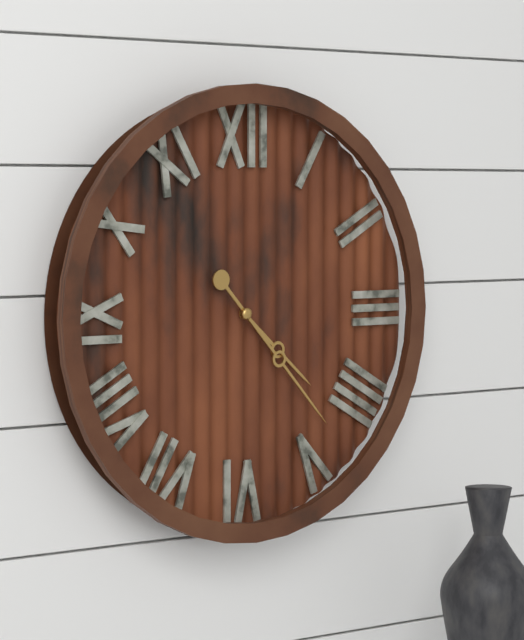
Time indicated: 4h23
